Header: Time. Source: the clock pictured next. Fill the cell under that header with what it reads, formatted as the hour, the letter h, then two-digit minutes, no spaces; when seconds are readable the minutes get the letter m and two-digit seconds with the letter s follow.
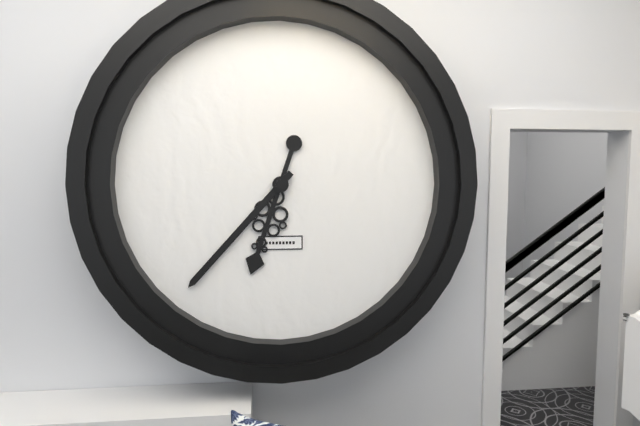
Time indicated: 6h37
